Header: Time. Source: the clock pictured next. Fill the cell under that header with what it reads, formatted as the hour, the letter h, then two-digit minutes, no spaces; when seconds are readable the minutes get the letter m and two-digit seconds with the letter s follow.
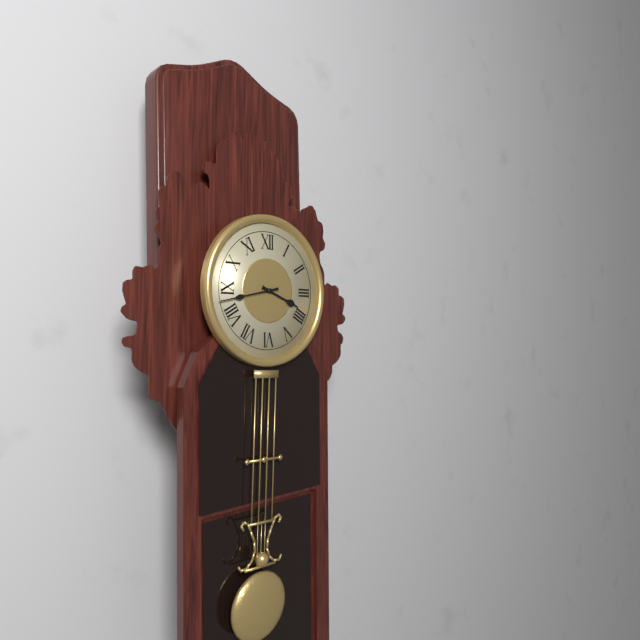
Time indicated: 3h43
